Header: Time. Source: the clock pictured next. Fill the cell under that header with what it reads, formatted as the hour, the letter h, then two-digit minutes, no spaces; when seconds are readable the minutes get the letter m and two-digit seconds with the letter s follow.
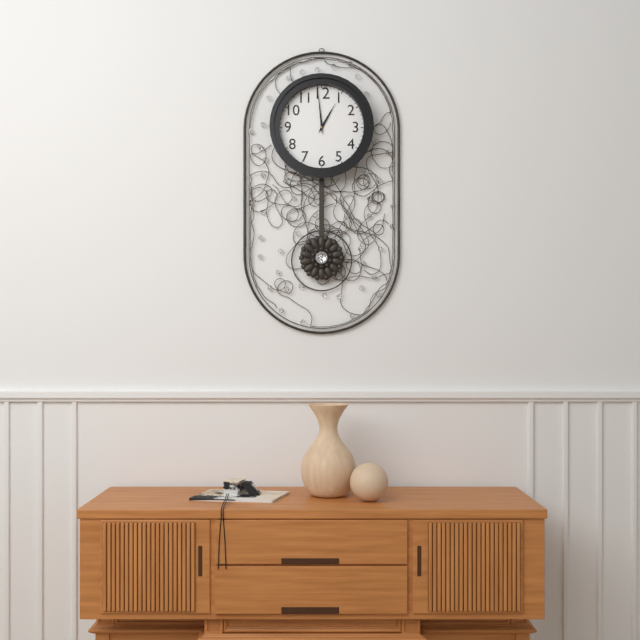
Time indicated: 12h59
